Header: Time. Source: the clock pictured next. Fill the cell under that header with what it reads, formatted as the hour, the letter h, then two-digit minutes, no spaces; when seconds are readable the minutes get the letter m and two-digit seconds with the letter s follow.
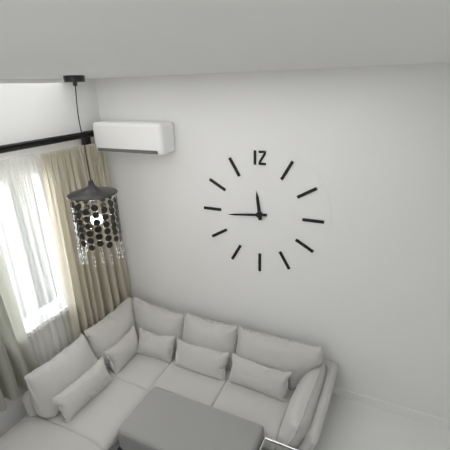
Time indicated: 11h44
